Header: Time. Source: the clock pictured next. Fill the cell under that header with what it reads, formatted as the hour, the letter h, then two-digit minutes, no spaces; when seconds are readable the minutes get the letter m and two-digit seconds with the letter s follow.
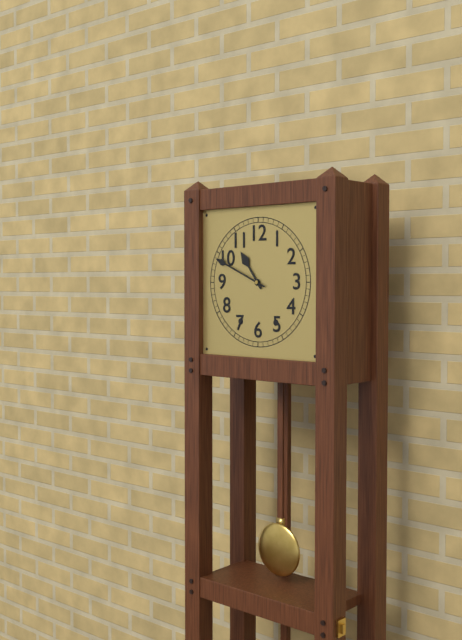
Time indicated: 10h49
